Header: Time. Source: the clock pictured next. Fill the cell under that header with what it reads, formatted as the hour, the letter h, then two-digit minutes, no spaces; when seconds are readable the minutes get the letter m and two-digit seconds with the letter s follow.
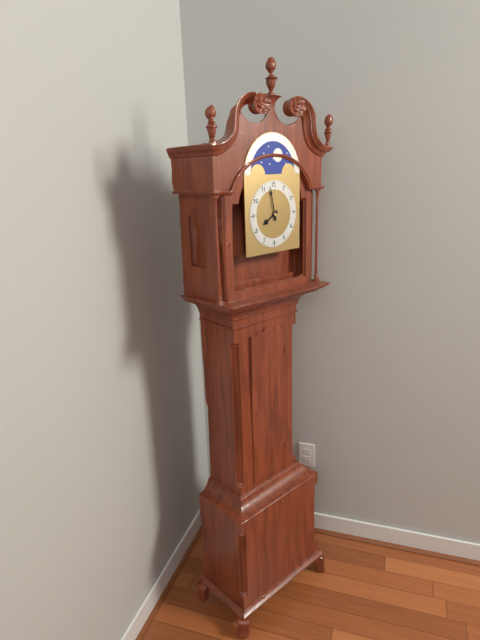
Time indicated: 7h58
